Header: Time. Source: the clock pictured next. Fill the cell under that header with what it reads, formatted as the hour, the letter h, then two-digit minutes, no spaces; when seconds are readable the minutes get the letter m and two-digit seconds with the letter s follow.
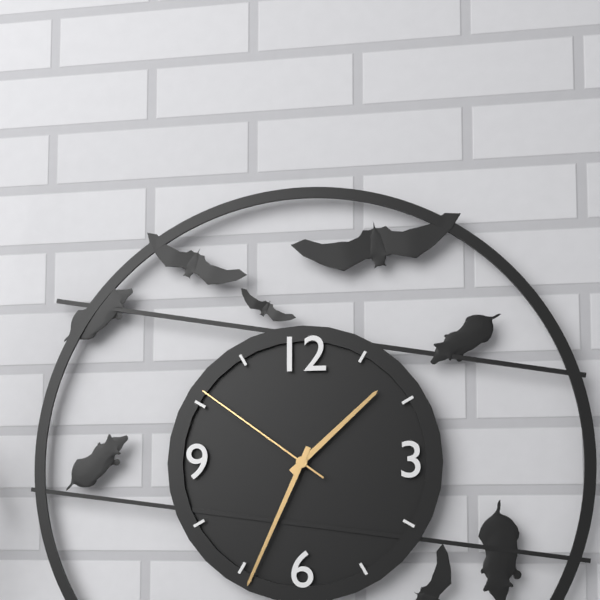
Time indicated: 1h34m51s
